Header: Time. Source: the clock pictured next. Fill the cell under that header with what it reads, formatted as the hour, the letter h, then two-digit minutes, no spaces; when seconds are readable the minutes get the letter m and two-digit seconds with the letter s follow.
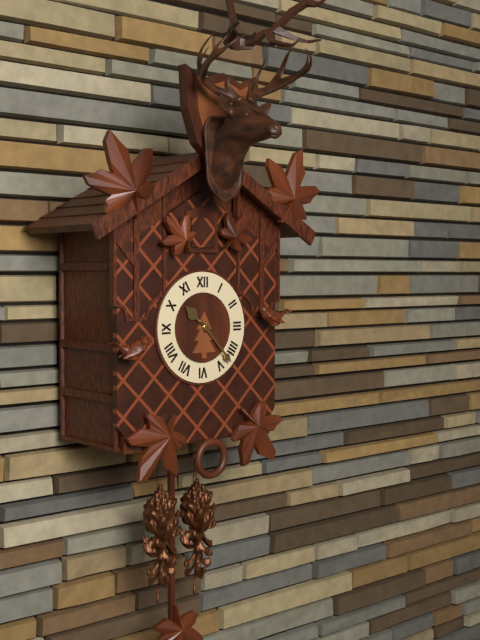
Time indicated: 10h23
